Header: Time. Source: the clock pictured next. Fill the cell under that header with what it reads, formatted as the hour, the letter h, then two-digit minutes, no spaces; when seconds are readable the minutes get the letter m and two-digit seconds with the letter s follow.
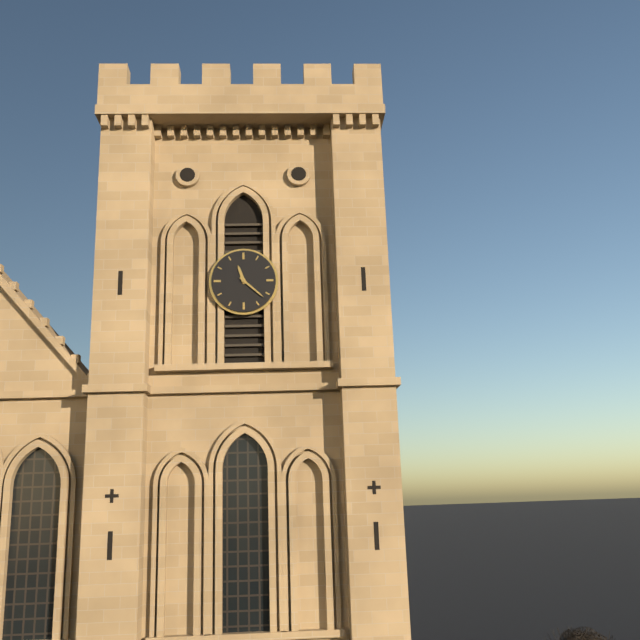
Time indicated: 11h22
